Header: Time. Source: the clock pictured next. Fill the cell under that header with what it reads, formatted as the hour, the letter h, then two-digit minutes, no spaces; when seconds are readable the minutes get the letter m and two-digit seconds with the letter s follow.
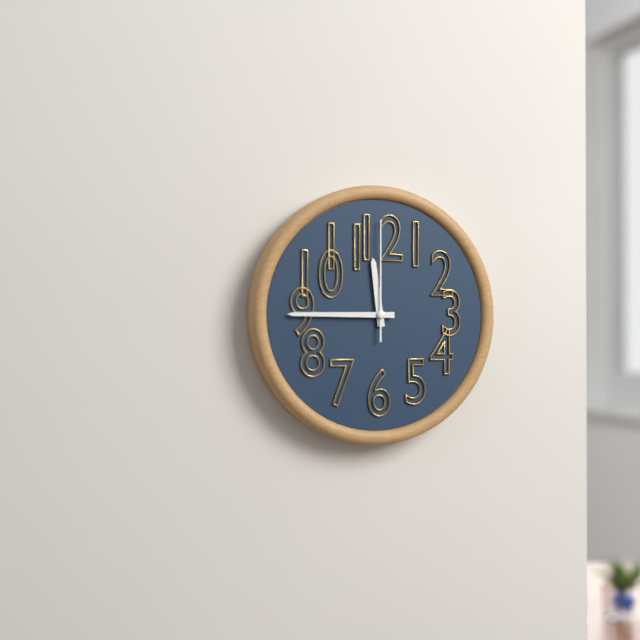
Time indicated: 11h45m00s
